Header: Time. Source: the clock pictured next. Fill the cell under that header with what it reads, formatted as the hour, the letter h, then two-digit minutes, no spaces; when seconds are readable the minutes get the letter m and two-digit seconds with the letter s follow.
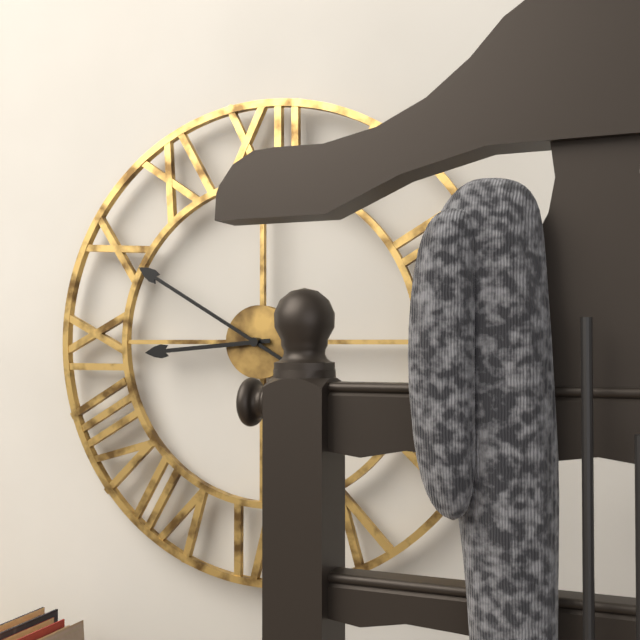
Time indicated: 8h50
